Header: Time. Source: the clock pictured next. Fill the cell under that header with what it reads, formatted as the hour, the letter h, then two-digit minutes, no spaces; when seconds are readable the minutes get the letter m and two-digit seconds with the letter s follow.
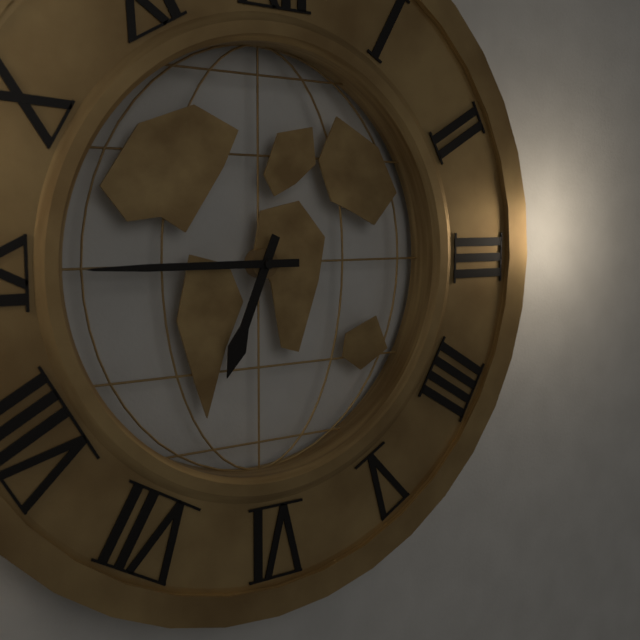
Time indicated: 6h45
